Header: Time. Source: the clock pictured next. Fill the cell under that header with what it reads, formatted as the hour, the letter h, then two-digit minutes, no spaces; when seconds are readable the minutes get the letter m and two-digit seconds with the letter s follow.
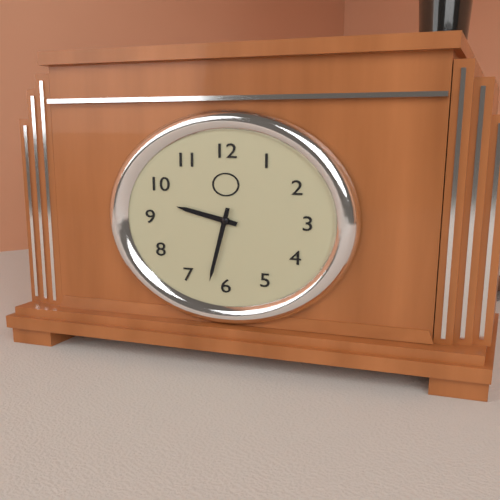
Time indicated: 9h32
